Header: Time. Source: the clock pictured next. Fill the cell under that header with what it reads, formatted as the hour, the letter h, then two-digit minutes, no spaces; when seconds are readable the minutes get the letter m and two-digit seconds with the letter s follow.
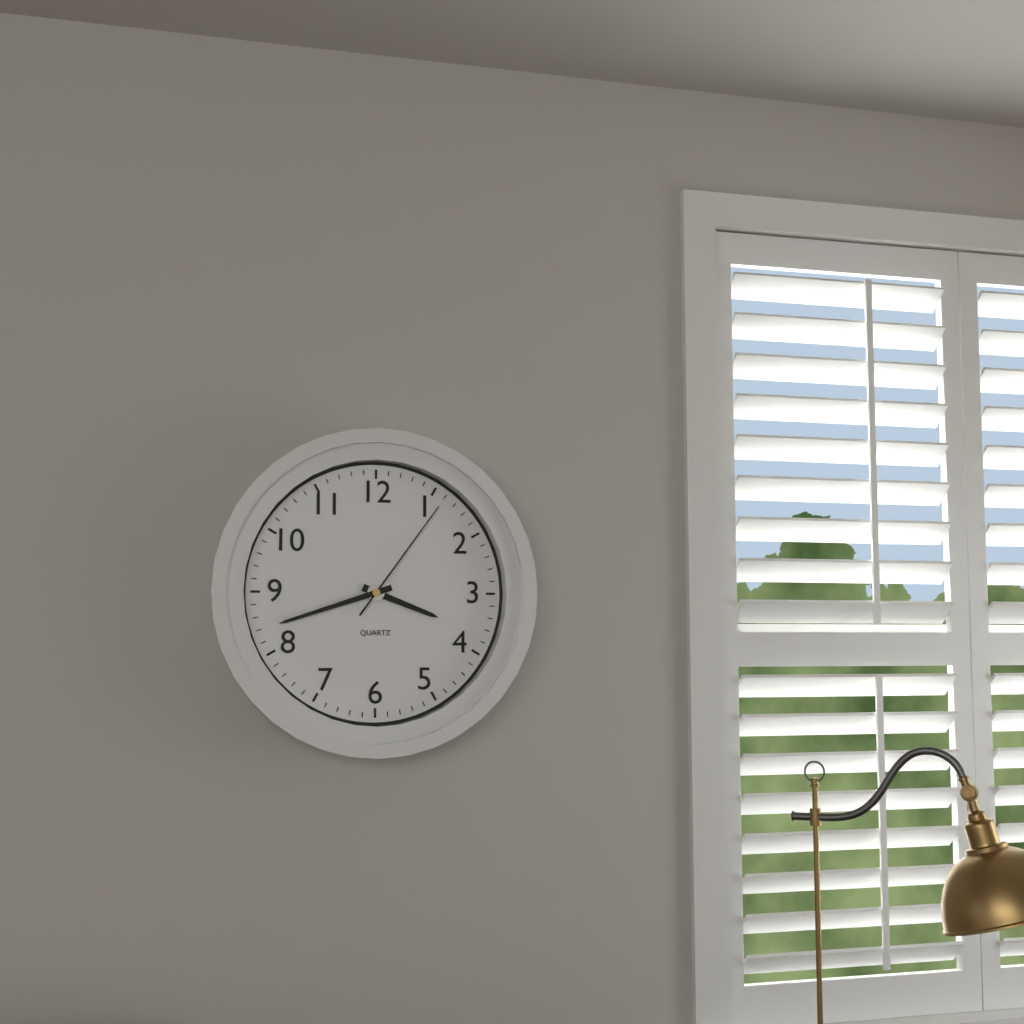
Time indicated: 3h42m06s
